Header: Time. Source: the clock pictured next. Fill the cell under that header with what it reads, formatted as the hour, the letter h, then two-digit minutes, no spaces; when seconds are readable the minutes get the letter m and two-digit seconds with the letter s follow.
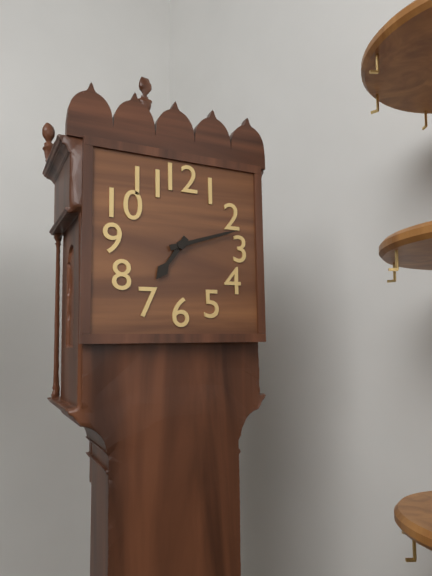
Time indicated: 7h12
